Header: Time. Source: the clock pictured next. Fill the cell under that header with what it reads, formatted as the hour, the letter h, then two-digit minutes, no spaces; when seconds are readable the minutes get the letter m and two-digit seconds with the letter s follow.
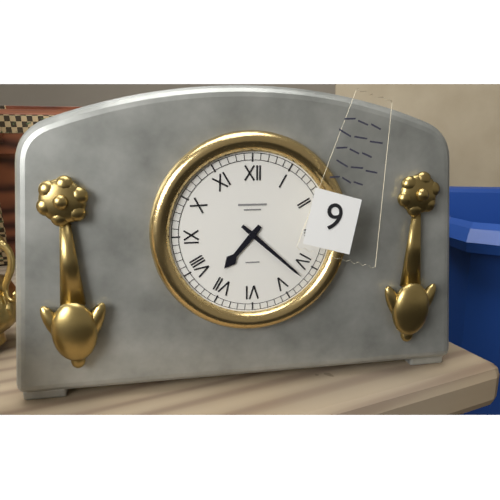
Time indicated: 7h22
